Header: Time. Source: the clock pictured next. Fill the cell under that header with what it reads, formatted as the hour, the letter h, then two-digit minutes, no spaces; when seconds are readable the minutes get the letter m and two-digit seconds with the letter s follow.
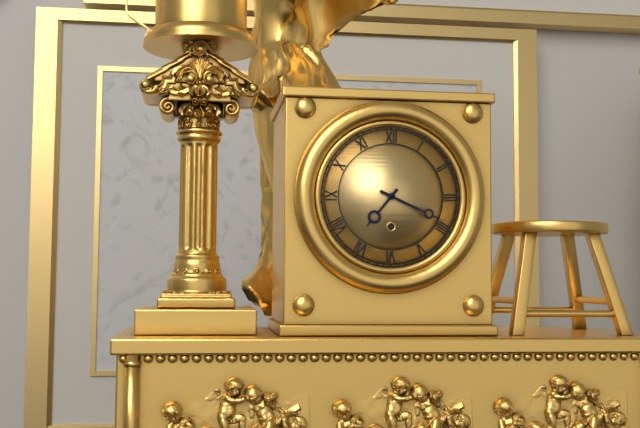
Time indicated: 7h19
